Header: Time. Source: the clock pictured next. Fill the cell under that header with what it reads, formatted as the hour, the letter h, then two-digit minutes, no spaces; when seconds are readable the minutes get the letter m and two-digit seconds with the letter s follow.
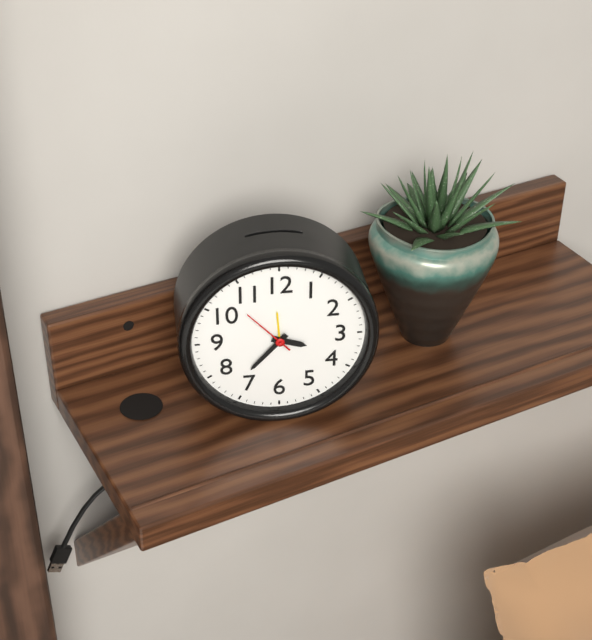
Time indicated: 3h37m53s
